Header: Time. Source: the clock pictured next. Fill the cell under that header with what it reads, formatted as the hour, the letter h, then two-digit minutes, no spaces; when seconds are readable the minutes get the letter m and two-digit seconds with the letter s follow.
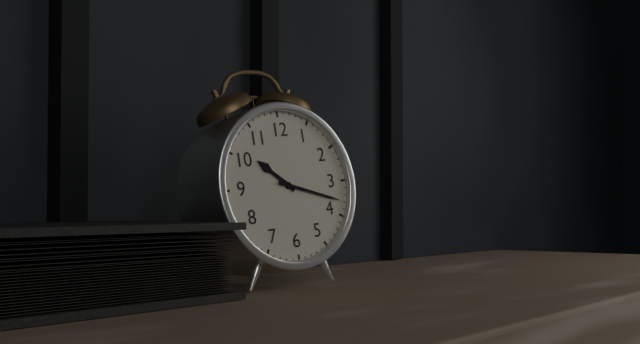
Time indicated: 10h18
